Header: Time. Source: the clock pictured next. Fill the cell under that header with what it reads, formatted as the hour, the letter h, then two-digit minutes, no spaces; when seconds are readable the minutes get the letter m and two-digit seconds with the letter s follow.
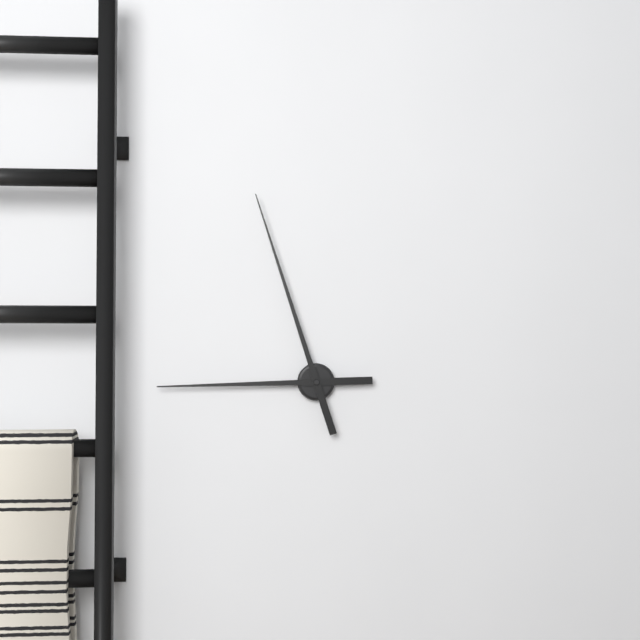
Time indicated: 8h57
